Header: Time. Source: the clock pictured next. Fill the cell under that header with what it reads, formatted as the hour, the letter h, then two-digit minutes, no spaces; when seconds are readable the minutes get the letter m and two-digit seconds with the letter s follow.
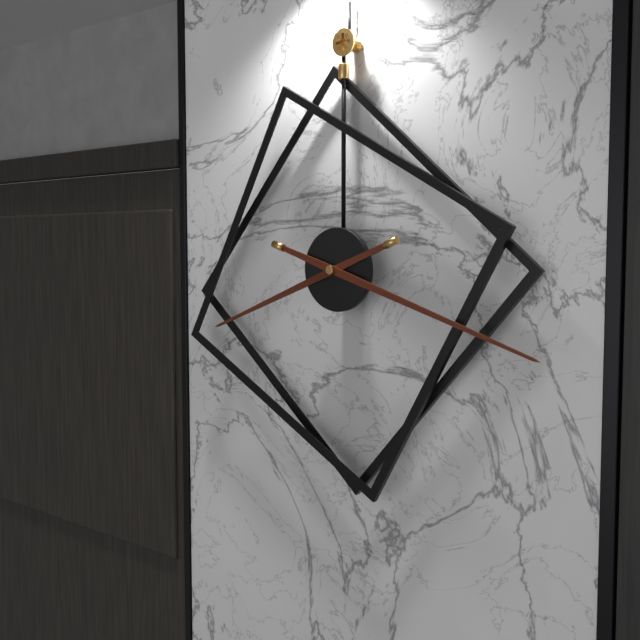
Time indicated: 8h18
